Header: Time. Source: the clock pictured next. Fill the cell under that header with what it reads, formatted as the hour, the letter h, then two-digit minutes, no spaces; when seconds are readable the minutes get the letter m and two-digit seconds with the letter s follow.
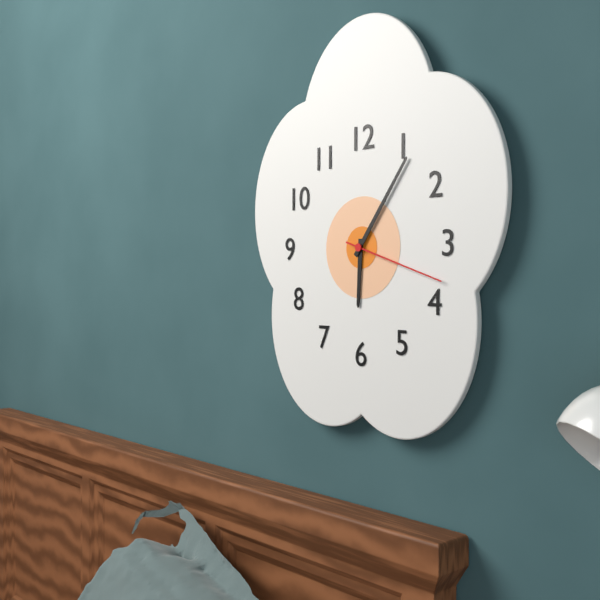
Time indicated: 6h06m18s
